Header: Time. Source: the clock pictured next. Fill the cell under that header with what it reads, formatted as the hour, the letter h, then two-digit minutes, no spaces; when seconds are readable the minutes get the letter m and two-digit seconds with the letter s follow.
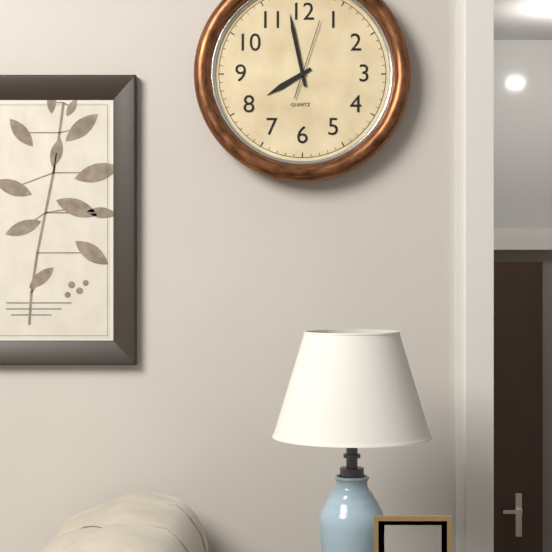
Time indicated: 7h58m03s
